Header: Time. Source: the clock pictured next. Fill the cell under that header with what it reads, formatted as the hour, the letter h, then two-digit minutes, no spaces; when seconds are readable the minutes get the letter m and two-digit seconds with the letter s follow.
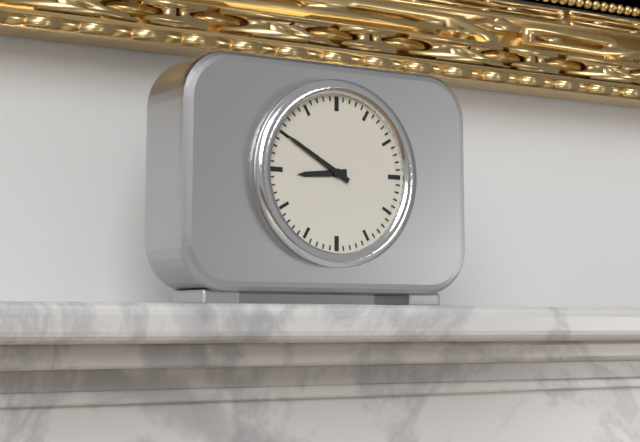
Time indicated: 8h50
